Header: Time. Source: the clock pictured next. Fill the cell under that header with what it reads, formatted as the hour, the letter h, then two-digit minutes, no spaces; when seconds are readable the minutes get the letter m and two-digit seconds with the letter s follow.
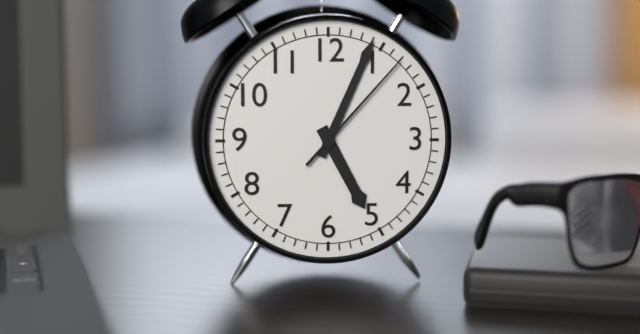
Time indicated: 5h04m07s
